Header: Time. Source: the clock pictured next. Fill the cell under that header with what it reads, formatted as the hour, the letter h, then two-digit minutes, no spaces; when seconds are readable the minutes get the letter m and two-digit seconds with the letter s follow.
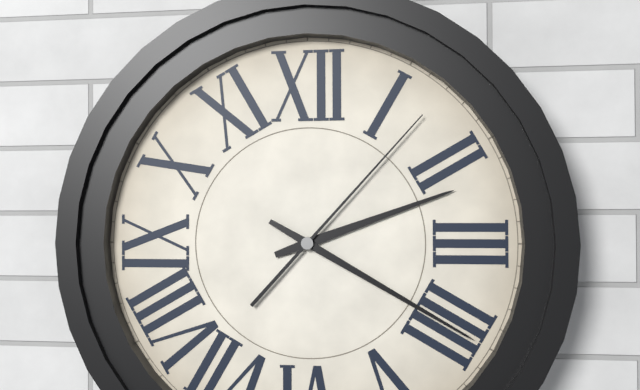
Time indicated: 2h20m07s
